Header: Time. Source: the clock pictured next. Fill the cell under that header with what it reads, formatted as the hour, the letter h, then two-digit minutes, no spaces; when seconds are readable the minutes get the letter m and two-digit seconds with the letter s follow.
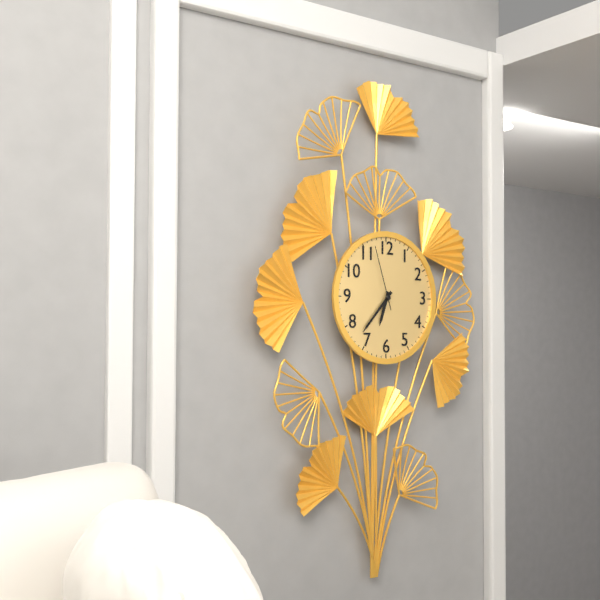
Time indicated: 6h37m57s
